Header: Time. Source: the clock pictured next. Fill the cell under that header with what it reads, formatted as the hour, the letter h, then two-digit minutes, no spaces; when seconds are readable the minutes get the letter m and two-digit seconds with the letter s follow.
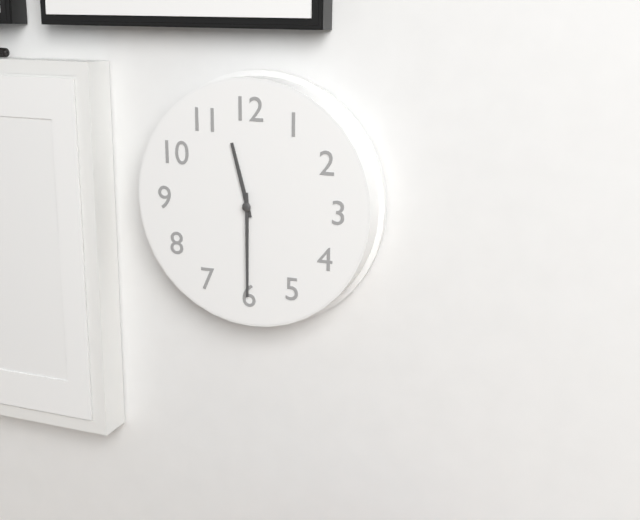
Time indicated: 11h30
